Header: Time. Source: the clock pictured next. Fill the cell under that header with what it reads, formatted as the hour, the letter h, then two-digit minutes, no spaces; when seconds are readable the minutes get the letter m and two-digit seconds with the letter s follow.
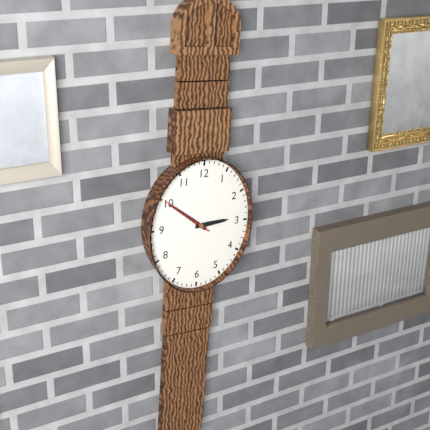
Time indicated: 2h51
